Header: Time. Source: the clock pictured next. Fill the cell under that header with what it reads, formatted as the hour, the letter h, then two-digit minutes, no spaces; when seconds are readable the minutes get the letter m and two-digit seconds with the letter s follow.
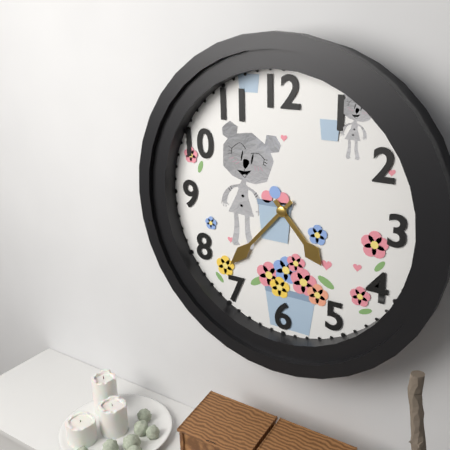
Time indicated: 4h37
